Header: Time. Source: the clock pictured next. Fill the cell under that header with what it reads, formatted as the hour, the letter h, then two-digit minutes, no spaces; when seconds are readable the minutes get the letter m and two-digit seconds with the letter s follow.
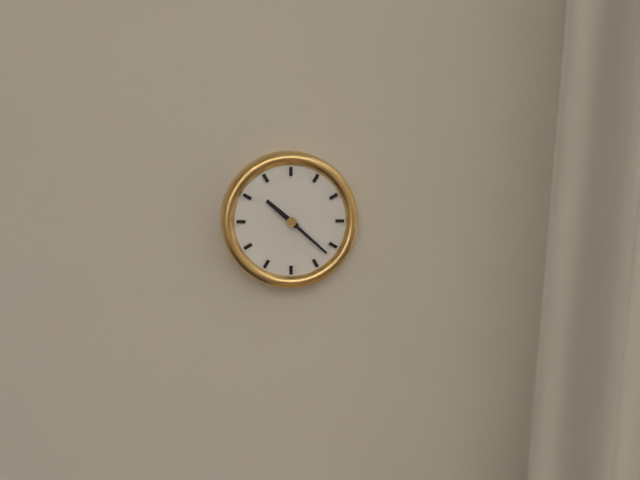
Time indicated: 10h22
